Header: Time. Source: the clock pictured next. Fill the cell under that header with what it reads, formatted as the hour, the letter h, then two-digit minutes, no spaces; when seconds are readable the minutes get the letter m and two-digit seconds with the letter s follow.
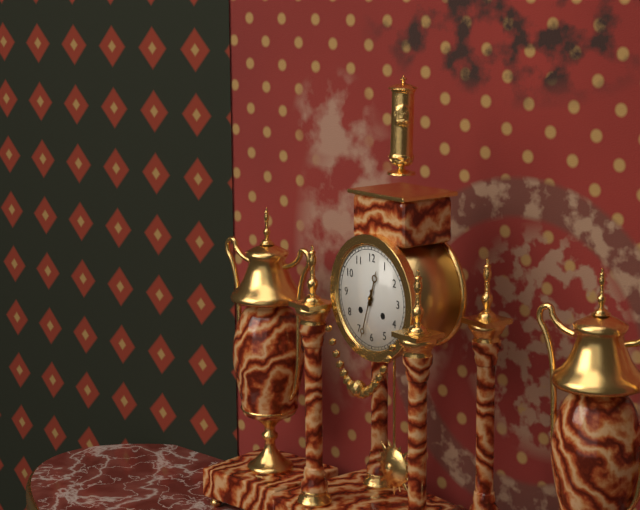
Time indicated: 12h33
